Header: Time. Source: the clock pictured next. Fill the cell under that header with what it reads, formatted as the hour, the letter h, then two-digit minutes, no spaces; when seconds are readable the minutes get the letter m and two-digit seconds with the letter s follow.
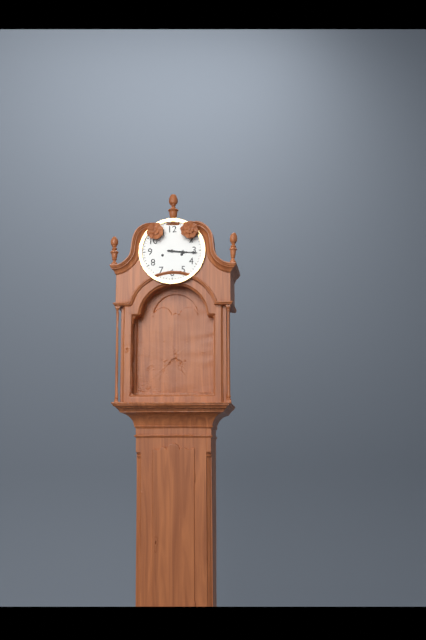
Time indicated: 3h16
